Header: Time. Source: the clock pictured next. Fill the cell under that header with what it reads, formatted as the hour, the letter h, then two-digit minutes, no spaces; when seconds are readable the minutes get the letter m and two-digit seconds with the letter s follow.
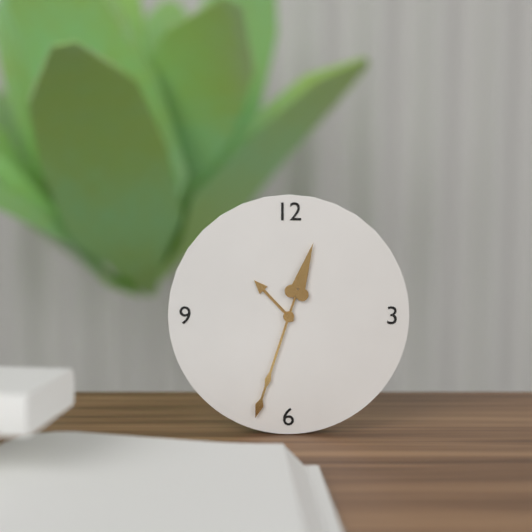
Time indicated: 10h33
